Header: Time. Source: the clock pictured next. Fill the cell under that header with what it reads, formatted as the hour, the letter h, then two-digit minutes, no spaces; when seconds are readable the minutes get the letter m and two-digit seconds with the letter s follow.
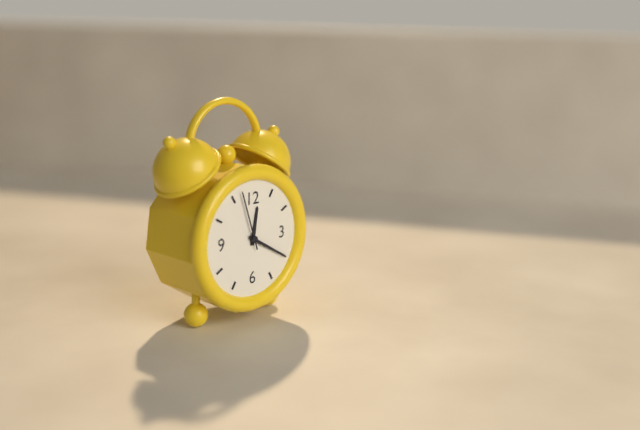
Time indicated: 12h20m57s
